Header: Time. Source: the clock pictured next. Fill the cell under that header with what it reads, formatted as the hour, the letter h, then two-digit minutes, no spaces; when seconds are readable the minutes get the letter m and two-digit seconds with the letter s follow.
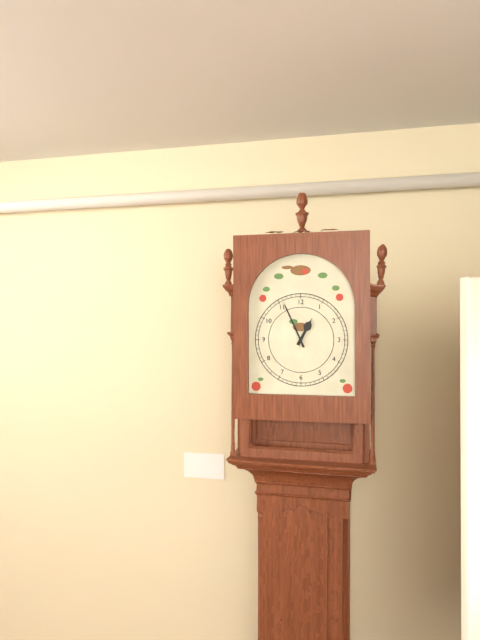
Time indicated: 12h56
